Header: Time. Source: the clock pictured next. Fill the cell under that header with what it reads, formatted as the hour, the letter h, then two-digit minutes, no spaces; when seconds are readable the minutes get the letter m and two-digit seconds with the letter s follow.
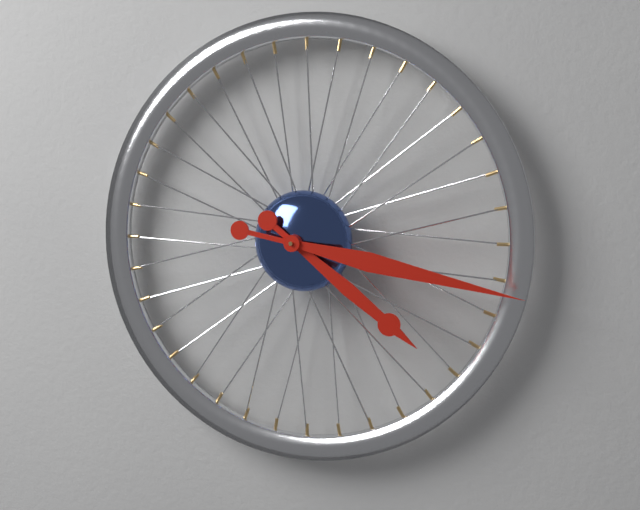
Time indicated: 4h17
